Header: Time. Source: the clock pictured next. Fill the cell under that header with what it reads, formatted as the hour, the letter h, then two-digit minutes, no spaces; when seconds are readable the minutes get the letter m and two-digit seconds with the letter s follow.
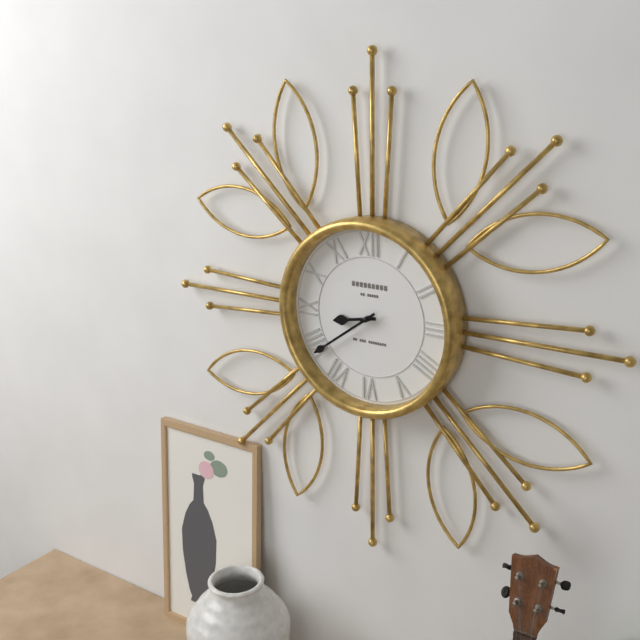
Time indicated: 8h39
